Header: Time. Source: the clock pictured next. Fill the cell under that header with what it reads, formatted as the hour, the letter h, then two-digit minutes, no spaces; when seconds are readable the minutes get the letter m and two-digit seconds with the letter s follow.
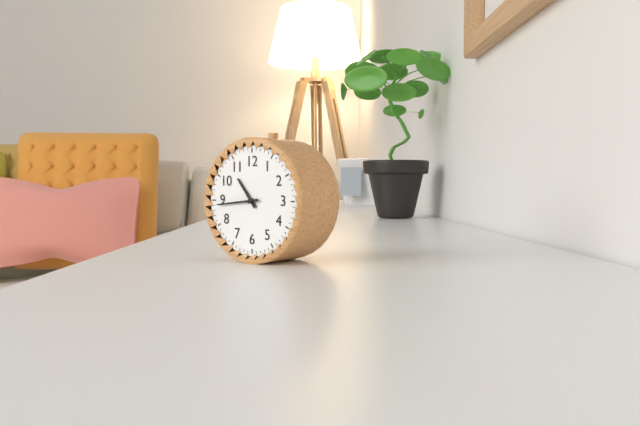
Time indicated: 10h44
